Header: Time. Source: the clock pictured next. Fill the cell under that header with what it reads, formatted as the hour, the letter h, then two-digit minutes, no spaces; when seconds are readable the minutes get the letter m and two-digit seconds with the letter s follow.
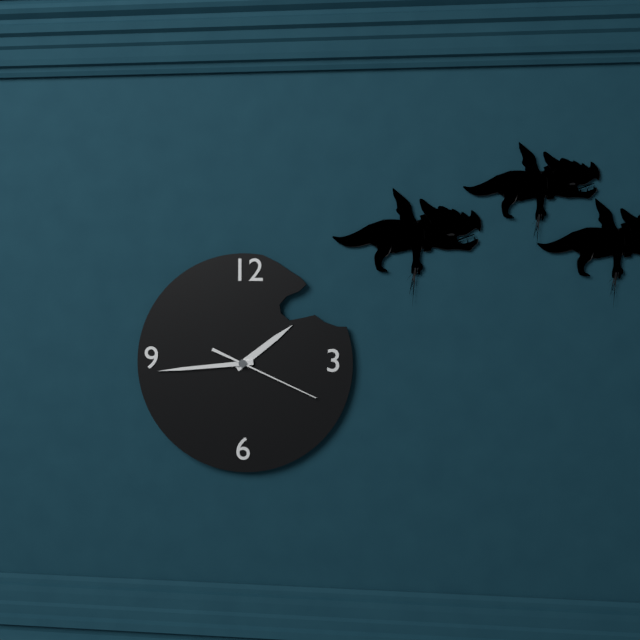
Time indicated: 1h44m19s
